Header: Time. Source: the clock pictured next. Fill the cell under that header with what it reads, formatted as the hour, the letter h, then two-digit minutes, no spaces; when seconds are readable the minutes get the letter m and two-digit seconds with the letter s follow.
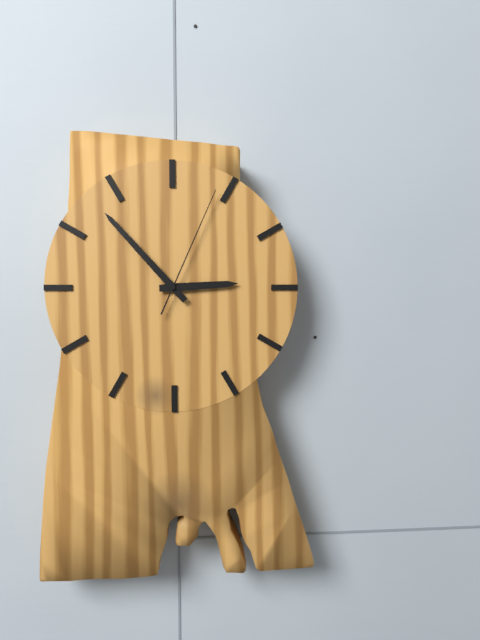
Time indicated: 2h53m04s
